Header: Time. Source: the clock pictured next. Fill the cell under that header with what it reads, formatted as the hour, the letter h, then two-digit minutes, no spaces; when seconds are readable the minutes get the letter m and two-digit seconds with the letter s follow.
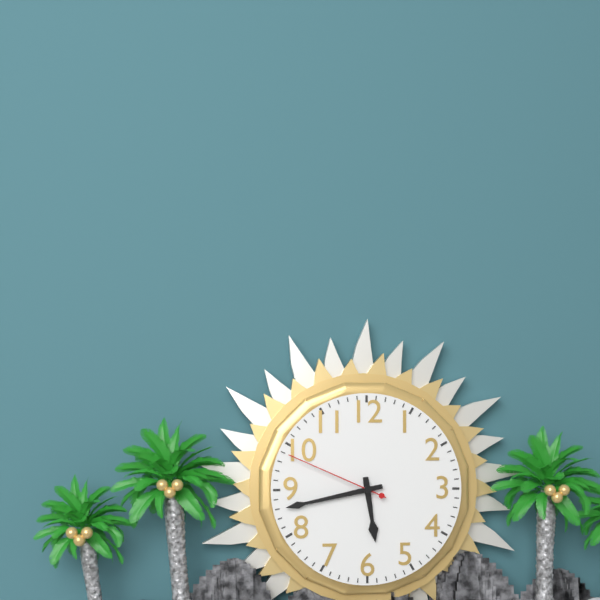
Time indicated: 5h43m49s
